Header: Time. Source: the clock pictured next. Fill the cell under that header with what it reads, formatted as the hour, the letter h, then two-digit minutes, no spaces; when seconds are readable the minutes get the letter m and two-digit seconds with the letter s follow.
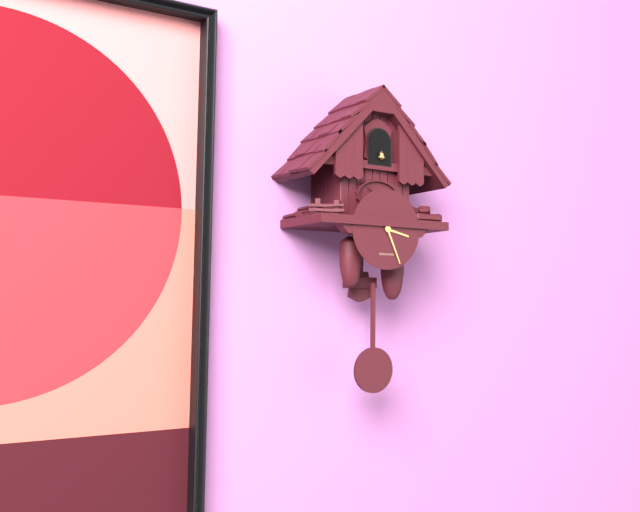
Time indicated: 3h26
